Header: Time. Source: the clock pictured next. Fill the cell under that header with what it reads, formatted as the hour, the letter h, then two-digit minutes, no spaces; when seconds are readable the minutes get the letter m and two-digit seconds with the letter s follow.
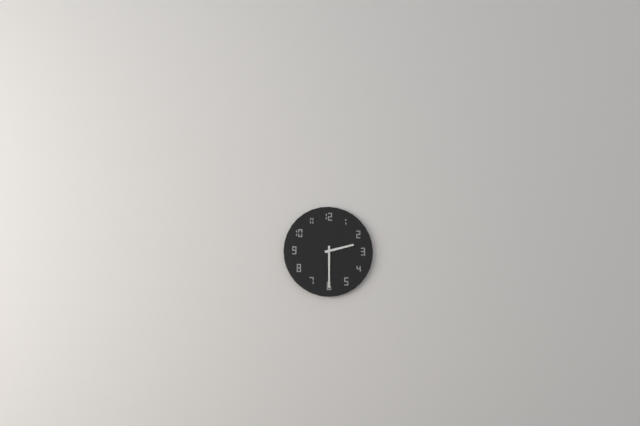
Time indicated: 2h30
